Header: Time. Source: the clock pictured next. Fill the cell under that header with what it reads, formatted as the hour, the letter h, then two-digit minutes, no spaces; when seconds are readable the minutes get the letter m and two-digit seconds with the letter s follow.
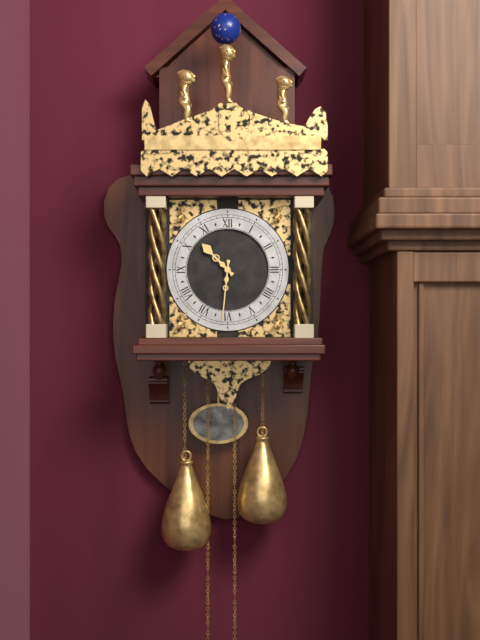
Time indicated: 10h31
